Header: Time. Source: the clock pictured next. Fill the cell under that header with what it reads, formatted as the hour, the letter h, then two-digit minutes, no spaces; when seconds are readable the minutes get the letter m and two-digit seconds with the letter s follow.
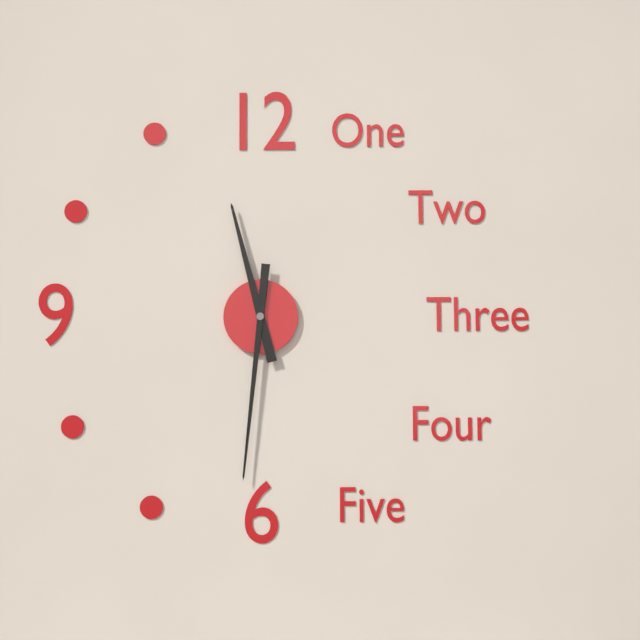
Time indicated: 11h31
